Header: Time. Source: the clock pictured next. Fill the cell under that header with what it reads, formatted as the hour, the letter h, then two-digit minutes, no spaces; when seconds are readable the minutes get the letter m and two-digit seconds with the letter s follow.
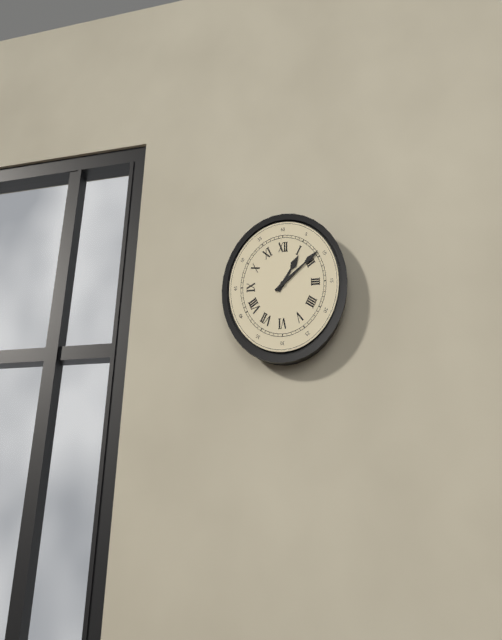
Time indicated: 1h09
